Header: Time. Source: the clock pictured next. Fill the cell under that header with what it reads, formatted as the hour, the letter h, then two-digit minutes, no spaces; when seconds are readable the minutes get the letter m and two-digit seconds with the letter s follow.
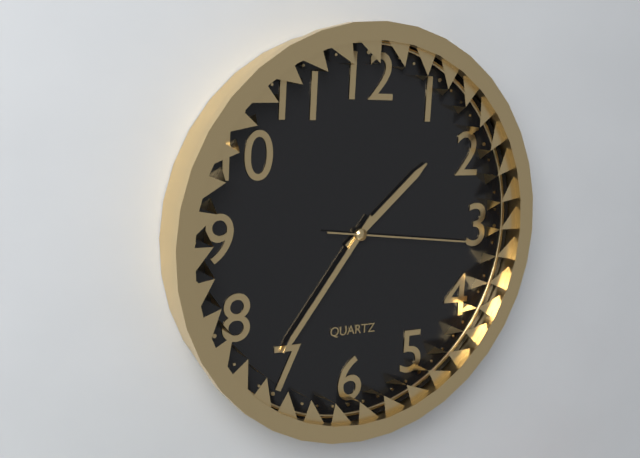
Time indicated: 1h36m16s
